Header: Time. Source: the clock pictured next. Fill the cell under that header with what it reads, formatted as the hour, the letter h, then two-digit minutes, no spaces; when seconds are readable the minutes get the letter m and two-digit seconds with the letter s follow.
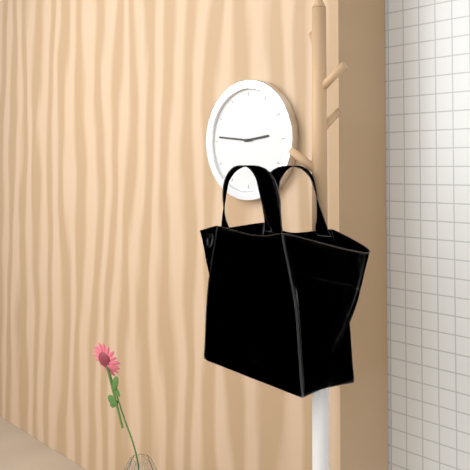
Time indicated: 2h46
